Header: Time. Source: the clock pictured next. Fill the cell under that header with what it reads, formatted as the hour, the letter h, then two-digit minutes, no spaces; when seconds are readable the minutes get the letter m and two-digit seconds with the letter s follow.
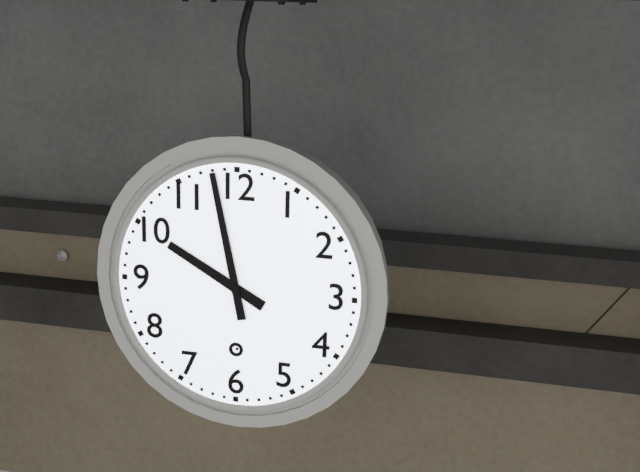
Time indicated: 9h58
